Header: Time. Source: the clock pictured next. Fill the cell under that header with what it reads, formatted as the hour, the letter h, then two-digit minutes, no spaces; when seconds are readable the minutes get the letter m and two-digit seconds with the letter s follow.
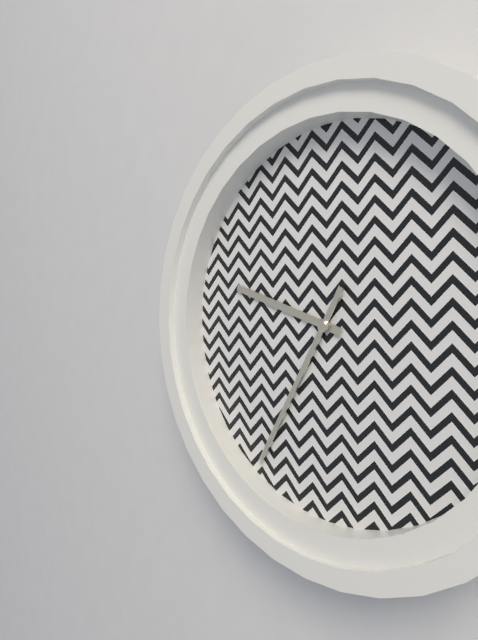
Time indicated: 9h35
